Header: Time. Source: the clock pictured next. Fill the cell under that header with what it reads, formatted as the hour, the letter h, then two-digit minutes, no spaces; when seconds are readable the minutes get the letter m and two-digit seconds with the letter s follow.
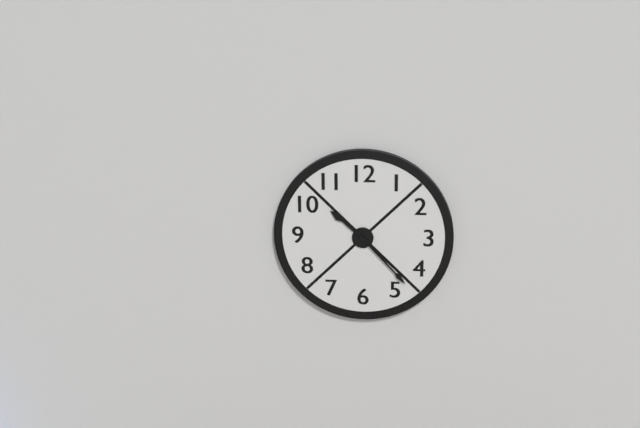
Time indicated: 10h23
